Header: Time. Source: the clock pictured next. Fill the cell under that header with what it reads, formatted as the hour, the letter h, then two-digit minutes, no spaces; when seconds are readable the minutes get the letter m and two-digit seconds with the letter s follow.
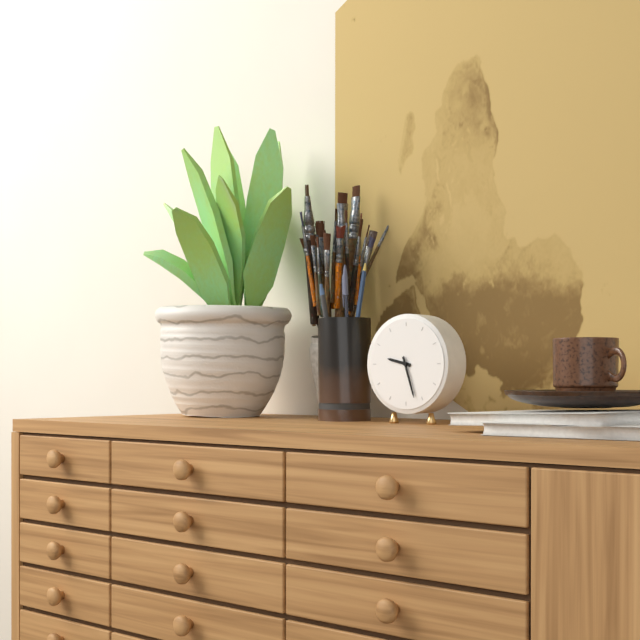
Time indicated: 9h27
